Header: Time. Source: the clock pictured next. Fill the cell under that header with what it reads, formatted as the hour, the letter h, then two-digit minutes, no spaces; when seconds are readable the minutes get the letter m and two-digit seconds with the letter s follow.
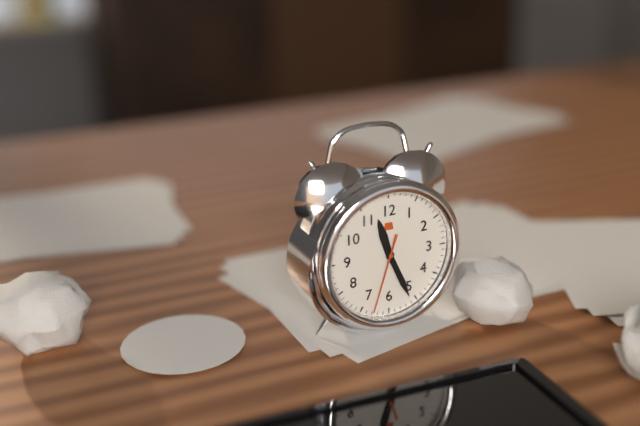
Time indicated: 11h26m33s
